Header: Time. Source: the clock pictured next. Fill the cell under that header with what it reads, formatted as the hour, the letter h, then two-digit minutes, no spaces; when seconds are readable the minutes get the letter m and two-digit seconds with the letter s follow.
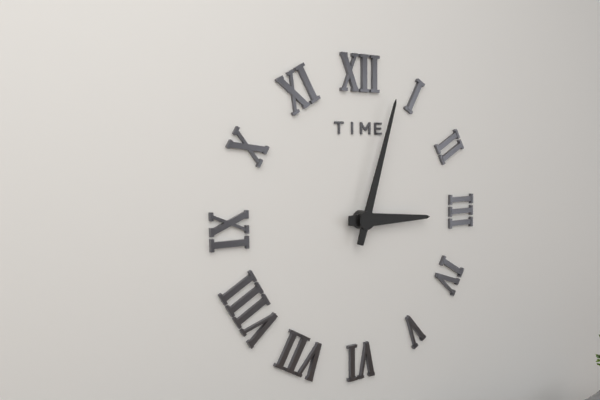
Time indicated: 3h03
